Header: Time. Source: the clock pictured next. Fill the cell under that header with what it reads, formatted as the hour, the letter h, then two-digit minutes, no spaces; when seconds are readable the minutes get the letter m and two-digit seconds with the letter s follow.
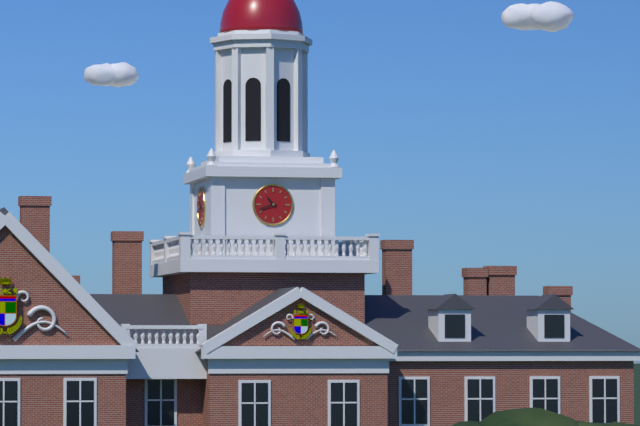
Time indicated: 10h42
